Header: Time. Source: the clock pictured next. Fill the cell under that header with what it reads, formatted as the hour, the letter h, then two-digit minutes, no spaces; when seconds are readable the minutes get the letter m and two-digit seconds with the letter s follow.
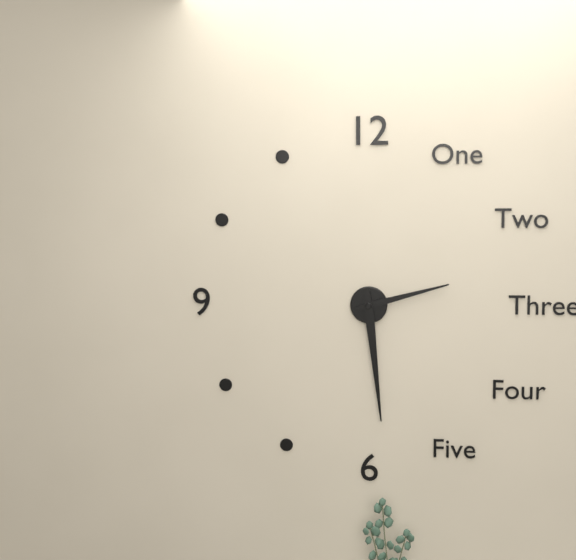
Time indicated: 2h29
